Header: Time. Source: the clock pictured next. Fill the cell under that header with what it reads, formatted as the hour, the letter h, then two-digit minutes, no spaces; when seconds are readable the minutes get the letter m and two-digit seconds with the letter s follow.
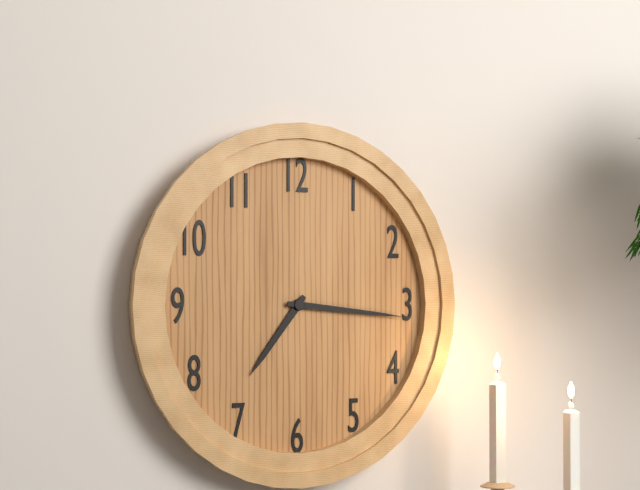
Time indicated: 7h16
